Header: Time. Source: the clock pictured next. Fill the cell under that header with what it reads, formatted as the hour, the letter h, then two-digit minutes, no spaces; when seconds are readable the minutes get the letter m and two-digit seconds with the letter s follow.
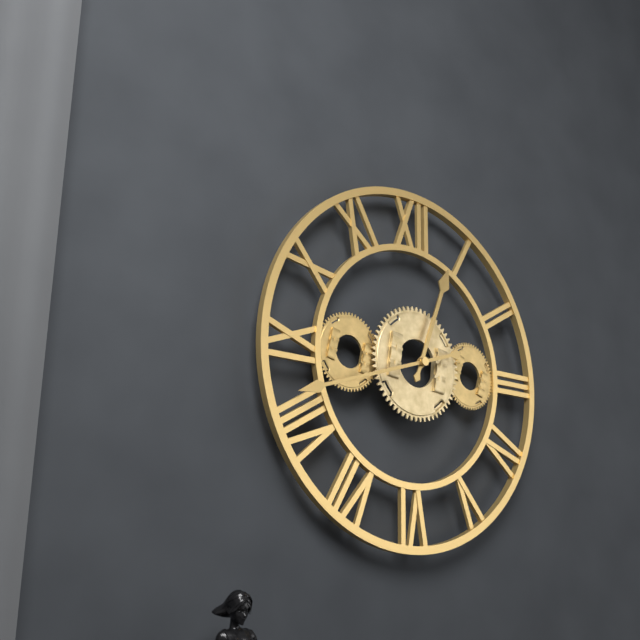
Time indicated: 12h42
